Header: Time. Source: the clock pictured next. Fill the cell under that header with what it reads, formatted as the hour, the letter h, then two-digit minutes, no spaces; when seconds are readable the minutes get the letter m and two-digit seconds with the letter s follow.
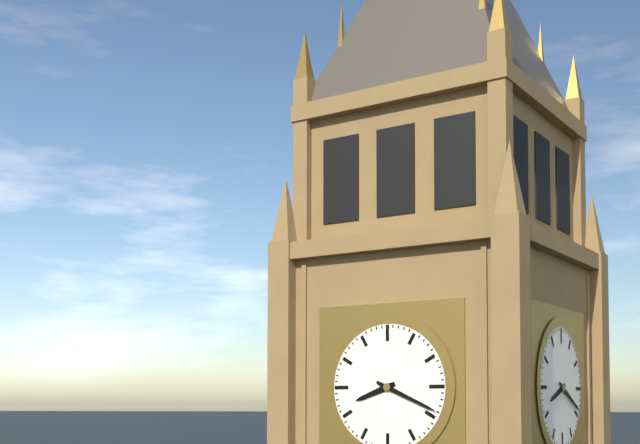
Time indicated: 8h19
